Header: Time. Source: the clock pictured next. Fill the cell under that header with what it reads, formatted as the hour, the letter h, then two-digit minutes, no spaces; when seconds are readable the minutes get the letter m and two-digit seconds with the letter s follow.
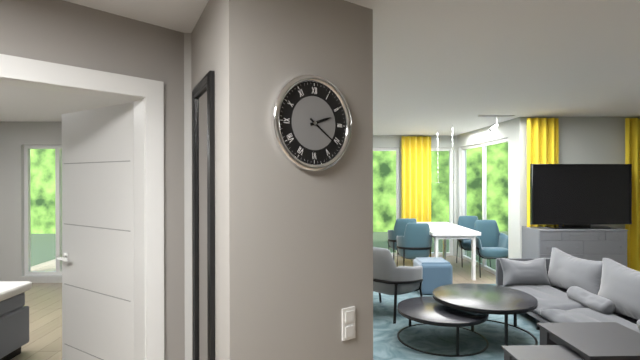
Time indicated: 2h21
